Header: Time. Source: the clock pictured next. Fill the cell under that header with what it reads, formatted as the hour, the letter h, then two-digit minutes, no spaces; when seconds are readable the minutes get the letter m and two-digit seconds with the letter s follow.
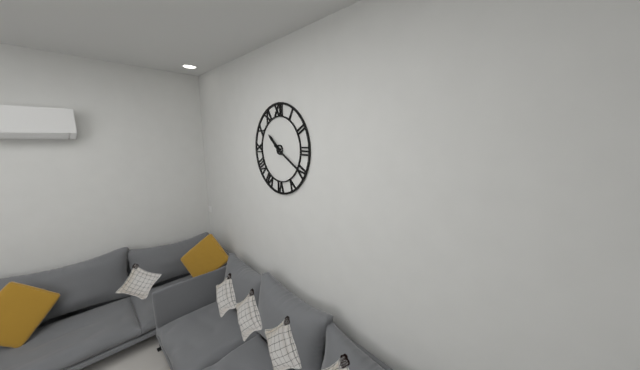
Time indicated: 10h20
